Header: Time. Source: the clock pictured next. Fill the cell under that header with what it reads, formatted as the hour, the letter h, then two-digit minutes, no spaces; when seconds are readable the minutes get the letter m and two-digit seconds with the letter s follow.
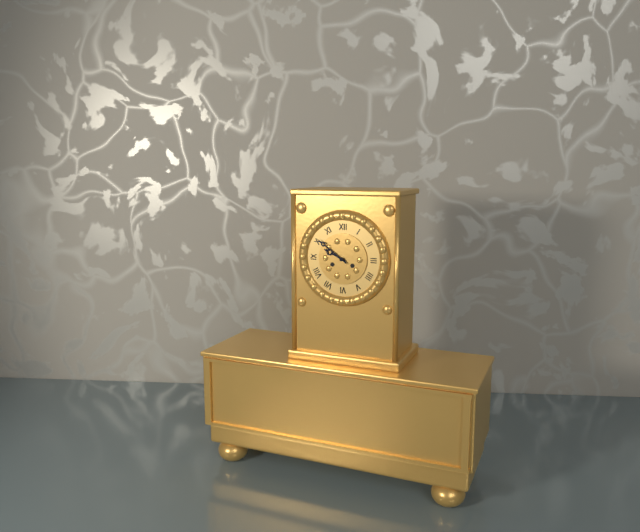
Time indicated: 9h51
